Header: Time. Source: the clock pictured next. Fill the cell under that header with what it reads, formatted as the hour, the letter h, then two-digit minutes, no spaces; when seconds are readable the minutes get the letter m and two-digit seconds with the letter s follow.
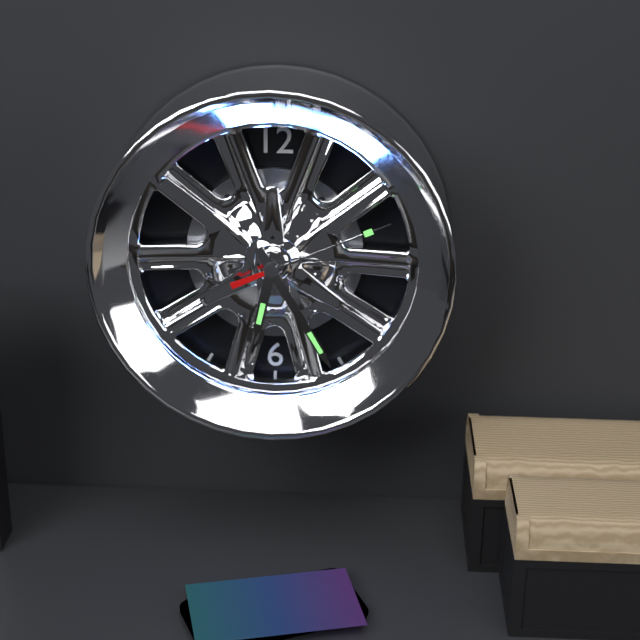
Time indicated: 6h25m11s
